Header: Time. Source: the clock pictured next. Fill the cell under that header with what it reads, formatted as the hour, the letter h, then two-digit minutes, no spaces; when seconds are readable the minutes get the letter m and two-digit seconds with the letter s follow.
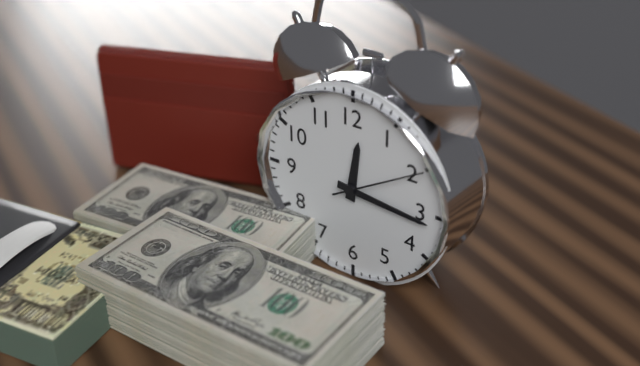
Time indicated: 12h16m10s
